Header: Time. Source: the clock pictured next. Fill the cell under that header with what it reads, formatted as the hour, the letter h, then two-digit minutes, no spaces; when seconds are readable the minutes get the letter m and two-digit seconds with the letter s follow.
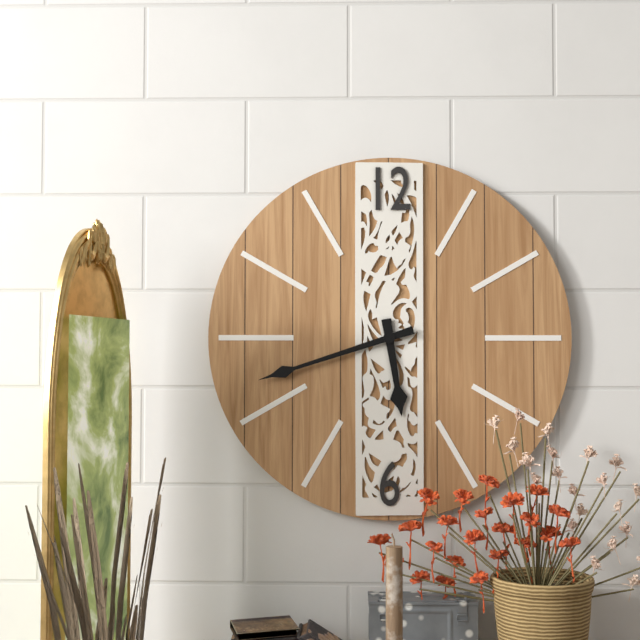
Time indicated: 5h42
